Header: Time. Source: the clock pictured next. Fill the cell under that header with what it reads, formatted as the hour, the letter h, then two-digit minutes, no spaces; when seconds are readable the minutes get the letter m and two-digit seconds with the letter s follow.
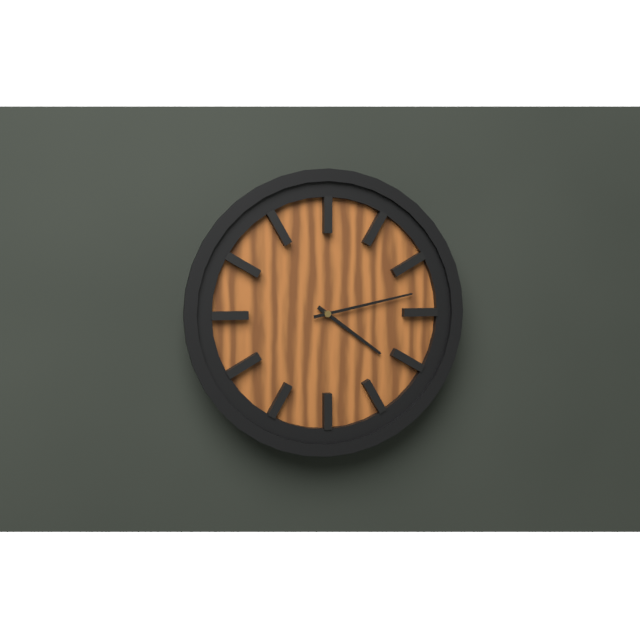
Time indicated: 4h13
